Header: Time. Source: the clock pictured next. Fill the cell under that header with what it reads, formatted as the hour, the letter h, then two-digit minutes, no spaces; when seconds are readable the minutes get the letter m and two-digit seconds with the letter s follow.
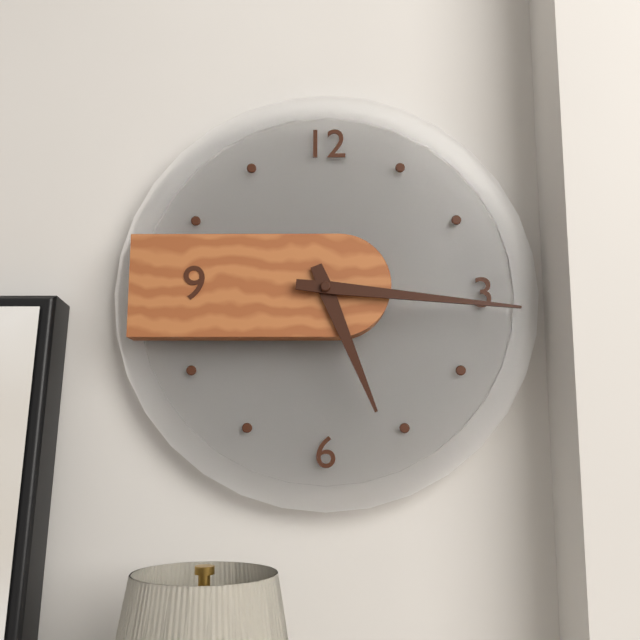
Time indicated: 5h16
